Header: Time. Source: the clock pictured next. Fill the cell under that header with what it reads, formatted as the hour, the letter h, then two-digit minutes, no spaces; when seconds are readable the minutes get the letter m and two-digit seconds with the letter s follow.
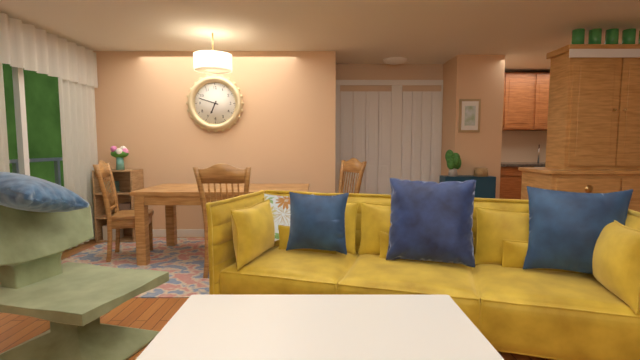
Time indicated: 6h48
